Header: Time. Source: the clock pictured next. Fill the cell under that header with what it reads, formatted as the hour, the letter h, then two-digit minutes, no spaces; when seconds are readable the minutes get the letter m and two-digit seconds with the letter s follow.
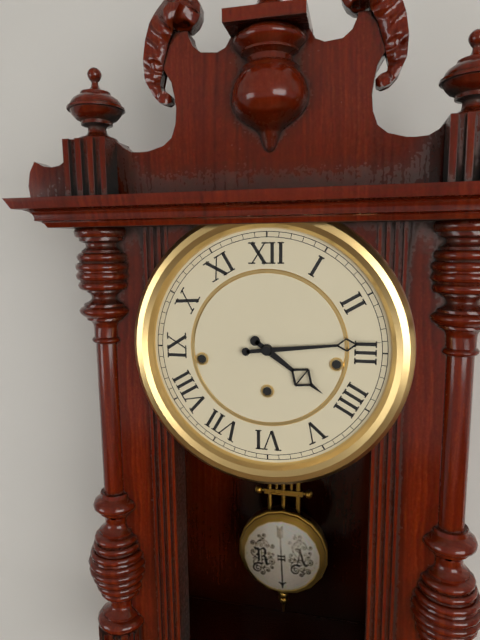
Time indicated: 4h14
